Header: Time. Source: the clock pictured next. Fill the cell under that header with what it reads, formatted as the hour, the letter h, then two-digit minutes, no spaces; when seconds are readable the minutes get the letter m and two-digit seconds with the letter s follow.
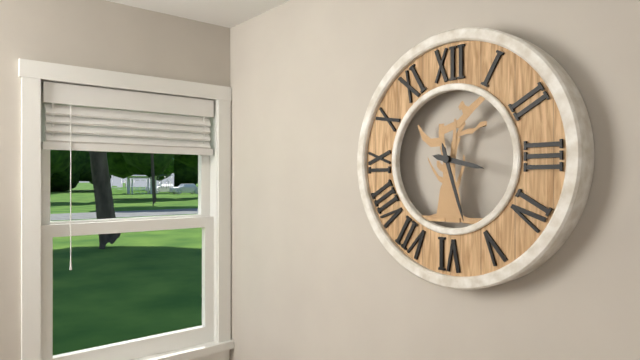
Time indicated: 3h27
